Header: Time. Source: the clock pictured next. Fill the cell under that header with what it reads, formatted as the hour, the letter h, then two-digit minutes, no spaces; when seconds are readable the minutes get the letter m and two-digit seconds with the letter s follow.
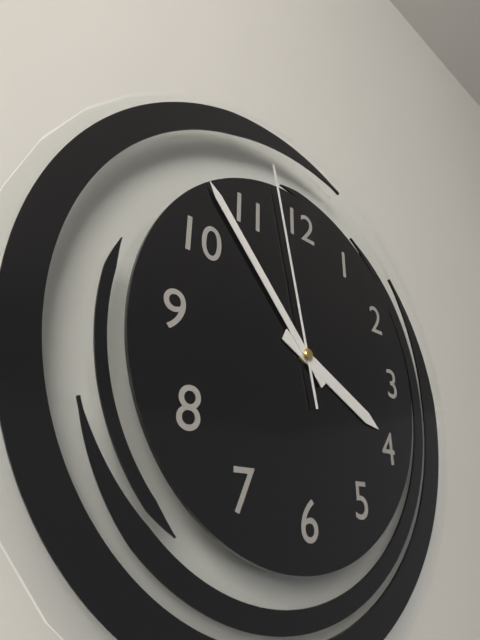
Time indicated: 3h53m58s
